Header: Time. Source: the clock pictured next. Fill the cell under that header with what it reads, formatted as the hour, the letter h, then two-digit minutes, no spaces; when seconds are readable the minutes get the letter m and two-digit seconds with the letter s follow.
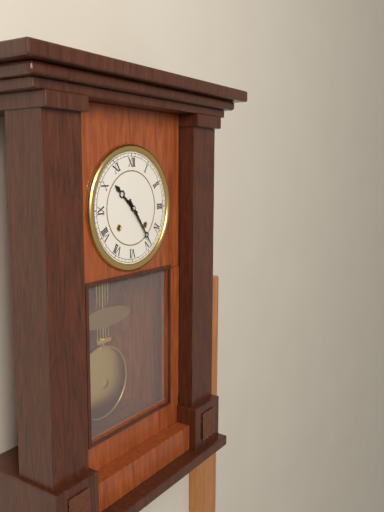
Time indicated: 10h24
